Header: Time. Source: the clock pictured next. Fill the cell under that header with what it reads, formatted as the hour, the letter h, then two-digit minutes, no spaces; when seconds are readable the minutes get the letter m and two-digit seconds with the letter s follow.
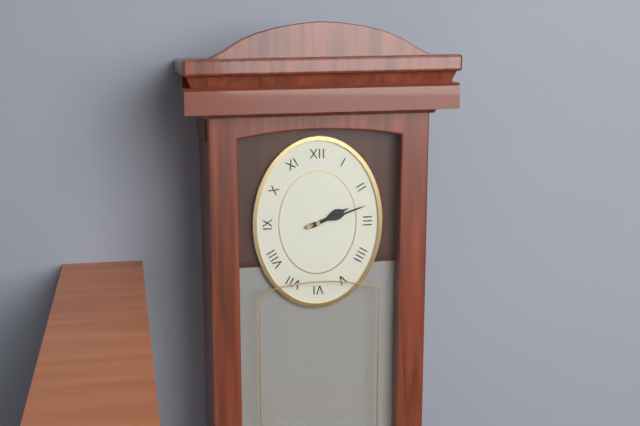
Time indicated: 2h12
